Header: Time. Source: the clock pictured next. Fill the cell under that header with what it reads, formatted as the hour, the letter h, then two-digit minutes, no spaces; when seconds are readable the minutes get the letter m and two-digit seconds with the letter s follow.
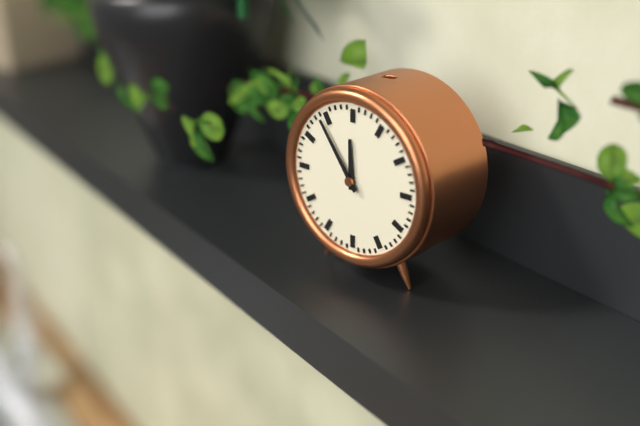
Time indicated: 11h54
